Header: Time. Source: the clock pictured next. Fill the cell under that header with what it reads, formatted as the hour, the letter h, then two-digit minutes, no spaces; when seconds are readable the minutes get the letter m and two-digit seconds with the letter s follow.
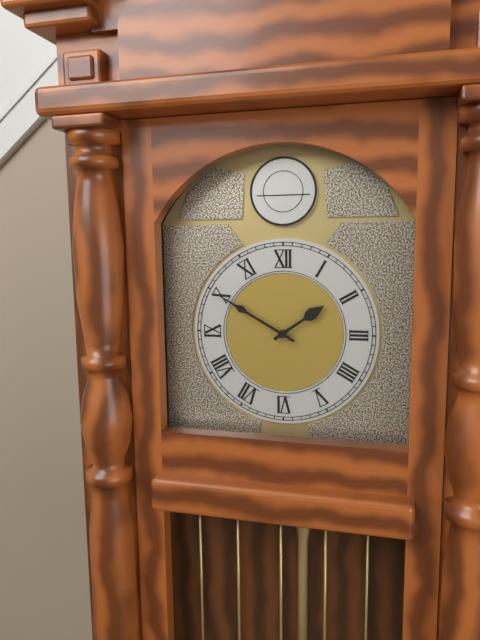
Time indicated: 1h50
